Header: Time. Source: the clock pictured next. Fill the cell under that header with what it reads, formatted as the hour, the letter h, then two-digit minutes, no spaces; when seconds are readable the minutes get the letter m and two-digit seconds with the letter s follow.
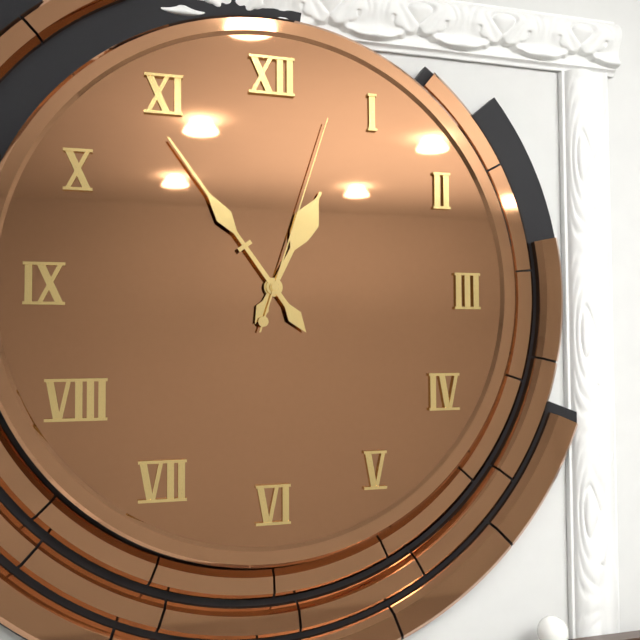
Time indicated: 12h54m03s
